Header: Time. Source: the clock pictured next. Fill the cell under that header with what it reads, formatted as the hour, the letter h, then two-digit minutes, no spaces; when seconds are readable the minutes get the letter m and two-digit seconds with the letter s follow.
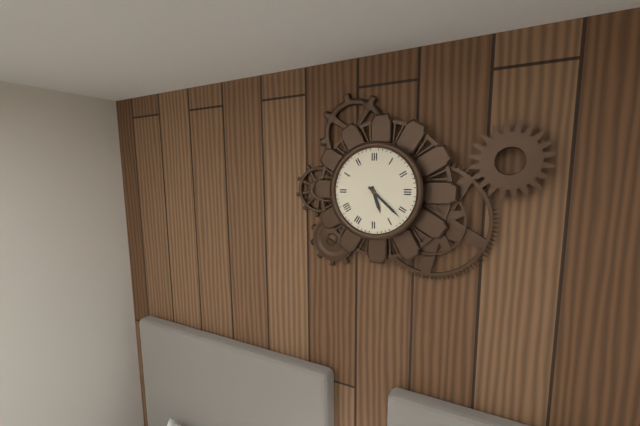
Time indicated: 5h22
